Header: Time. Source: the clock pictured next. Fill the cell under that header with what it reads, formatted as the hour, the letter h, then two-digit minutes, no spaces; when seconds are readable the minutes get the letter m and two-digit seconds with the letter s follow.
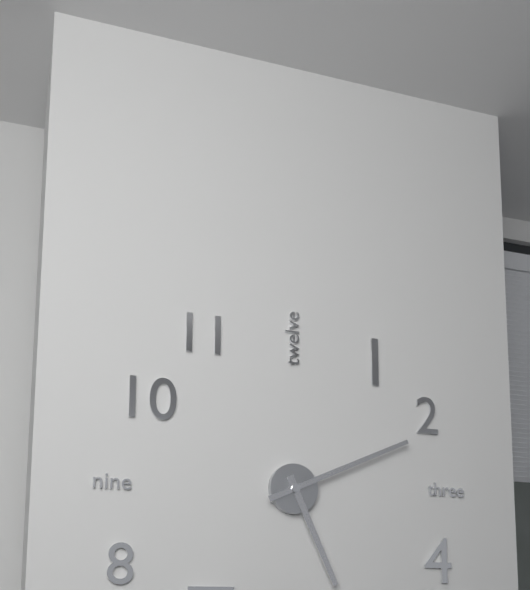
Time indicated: 5h11
